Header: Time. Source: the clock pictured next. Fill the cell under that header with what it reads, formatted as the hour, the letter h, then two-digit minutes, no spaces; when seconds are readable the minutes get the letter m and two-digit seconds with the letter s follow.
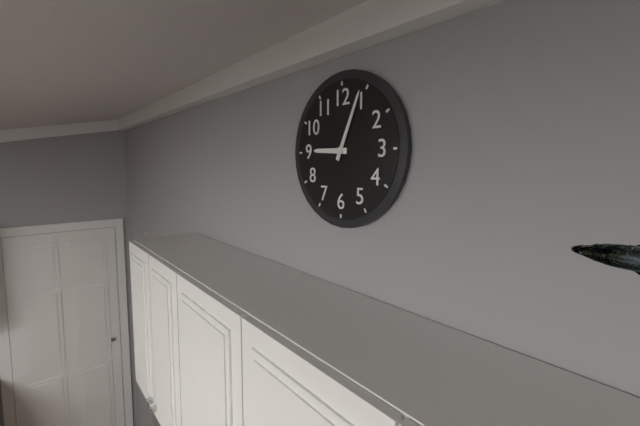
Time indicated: 9h04
